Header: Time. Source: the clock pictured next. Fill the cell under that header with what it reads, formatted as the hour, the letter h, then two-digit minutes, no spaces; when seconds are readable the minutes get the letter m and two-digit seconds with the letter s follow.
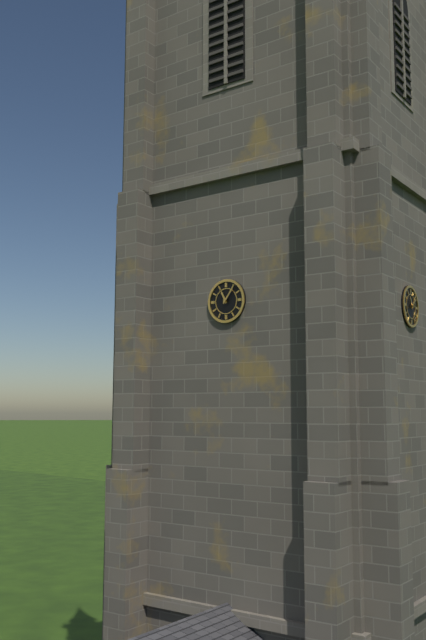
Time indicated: 11h06
